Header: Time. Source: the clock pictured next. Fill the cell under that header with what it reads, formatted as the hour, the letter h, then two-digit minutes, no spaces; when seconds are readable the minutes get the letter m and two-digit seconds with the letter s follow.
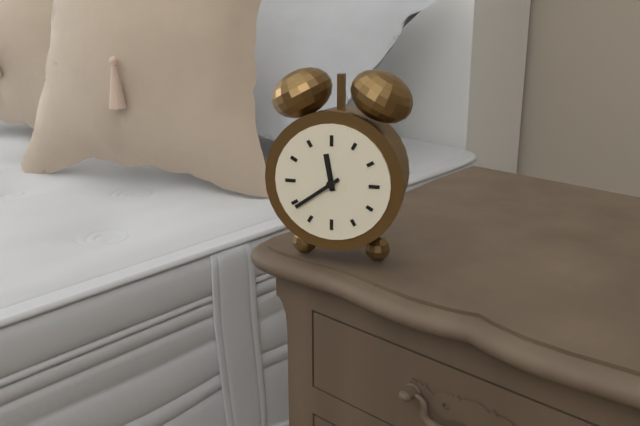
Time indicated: 11h39
